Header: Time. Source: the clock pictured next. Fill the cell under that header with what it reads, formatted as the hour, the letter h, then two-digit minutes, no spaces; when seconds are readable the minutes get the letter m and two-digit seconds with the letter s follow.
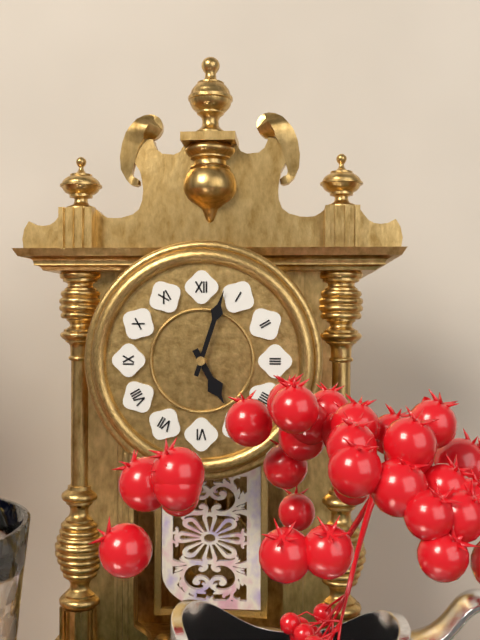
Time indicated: 5h03
